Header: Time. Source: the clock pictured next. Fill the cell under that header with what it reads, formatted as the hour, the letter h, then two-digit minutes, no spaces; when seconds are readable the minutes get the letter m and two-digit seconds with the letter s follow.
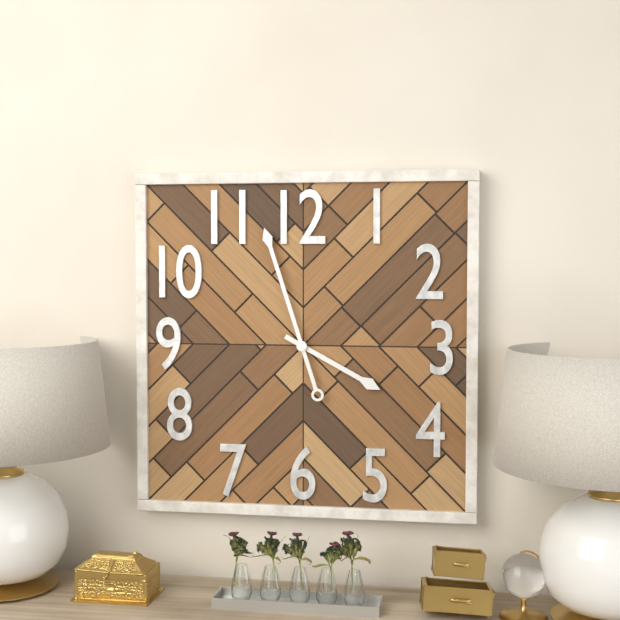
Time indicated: 3h57
